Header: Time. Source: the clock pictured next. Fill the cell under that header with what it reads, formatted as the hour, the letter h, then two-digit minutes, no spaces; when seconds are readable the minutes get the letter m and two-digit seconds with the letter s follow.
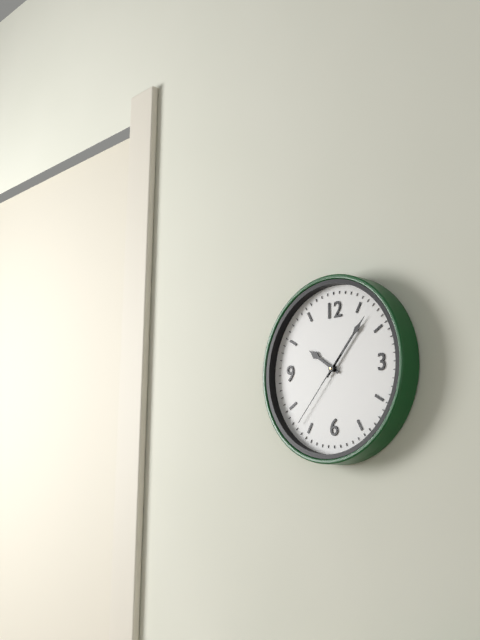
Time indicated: 10h07m37s
